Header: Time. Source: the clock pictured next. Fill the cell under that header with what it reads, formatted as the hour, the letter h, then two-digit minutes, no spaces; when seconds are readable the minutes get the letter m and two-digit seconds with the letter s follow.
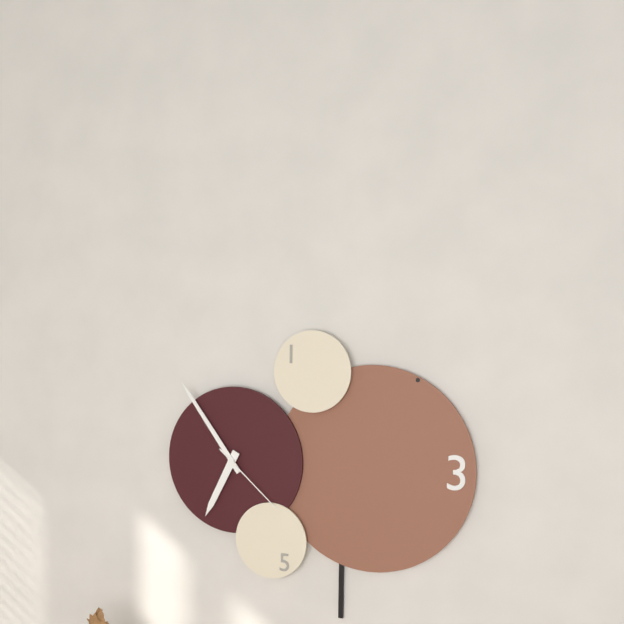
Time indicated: 6h54m22s
